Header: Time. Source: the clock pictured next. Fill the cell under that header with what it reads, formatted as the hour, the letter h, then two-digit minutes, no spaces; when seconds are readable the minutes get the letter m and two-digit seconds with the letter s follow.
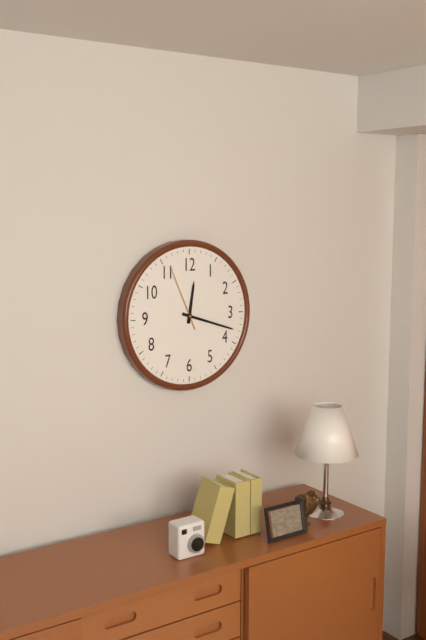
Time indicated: 12h18m56s
